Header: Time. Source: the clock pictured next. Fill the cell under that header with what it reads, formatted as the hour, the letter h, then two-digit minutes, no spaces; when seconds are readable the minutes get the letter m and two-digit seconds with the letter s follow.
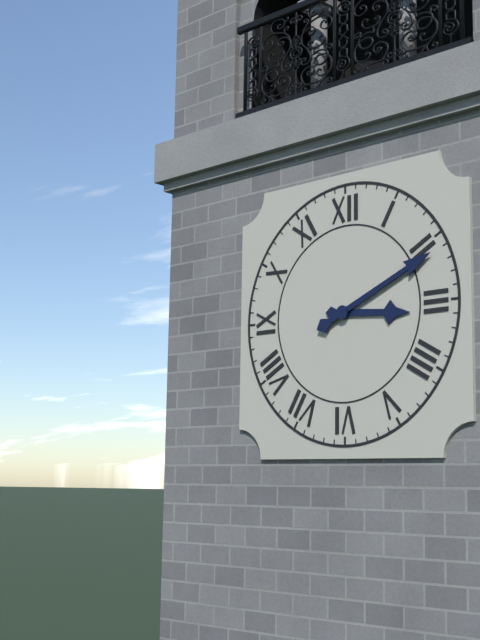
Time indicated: 3h11
